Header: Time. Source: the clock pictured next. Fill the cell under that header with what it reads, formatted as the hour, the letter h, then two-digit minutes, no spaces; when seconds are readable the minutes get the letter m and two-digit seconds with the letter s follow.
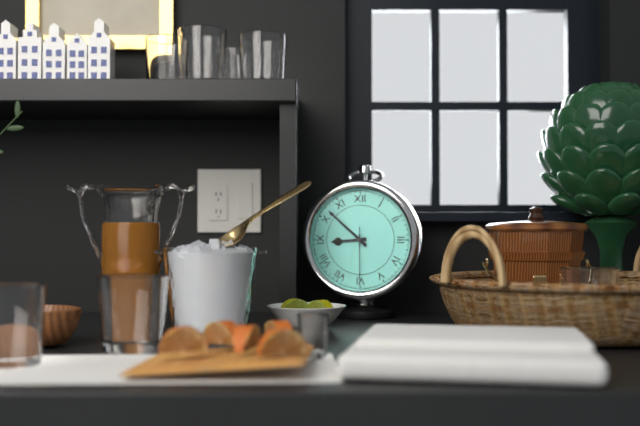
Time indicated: 8h52m30s
